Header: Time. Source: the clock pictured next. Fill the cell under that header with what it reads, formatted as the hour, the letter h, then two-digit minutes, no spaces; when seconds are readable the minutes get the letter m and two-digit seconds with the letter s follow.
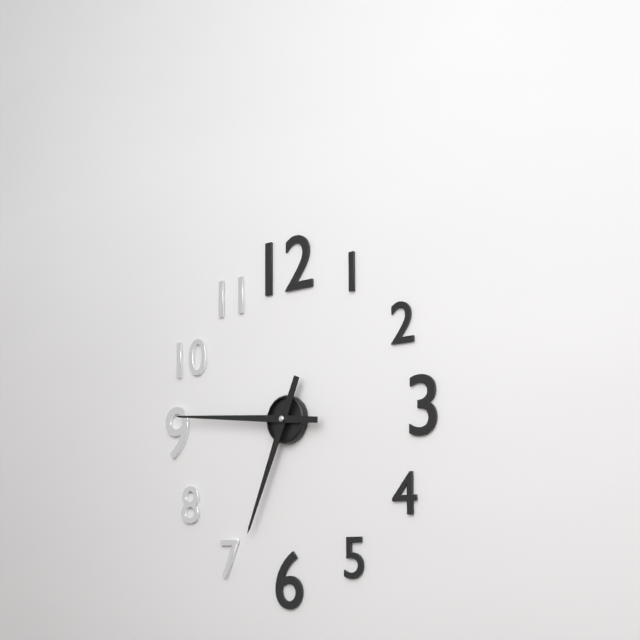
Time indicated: 6h46
